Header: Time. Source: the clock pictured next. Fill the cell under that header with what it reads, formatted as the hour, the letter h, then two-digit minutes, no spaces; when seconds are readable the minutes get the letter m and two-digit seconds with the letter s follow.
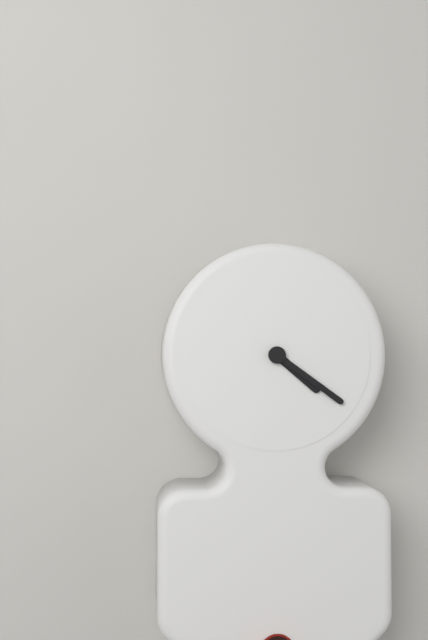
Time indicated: 4h21
